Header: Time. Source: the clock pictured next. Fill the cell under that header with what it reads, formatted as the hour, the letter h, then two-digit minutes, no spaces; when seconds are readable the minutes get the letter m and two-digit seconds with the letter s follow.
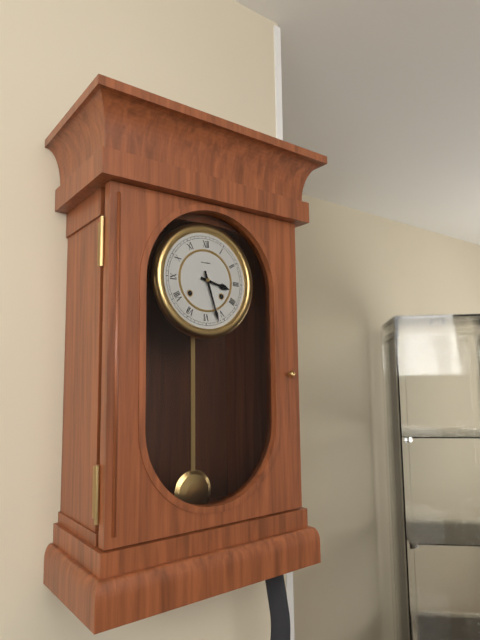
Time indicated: 3h27
